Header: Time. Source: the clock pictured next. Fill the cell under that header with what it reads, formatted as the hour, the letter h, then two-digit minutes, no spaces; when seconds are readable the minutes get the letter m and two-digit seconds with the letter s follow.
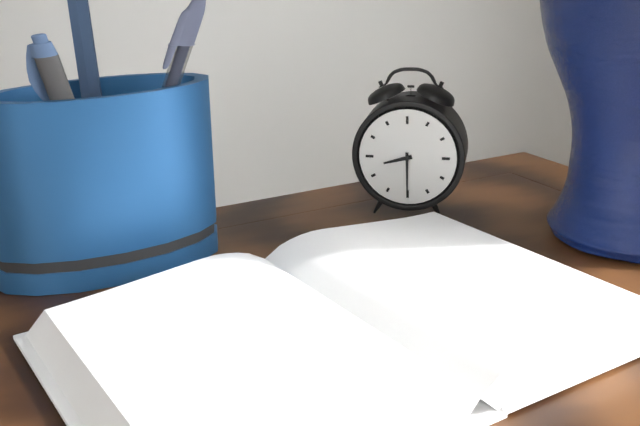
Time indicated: 8h30
